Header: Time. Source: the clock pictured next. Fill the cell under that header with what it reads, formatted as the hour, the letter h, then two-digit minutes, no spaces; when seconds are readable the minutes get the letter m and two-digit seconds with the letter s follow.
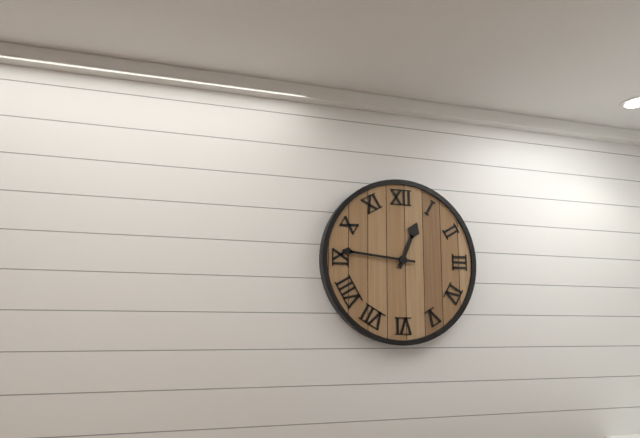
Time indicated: 12h46
